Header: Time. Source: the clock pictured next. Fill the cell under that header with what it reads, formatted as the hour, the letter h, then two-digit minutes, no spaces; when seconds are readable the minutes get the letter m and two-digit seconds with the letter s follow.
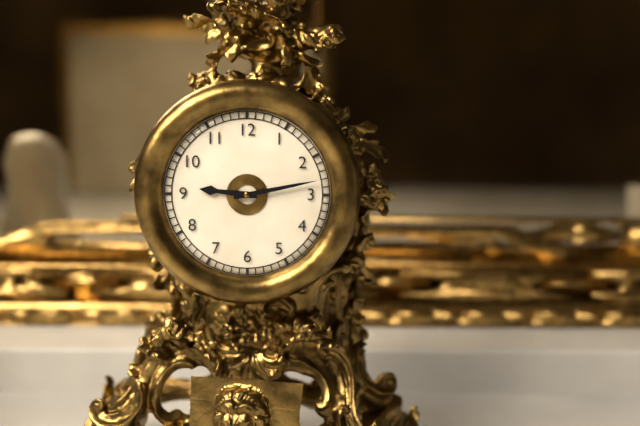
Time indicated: 9h13
